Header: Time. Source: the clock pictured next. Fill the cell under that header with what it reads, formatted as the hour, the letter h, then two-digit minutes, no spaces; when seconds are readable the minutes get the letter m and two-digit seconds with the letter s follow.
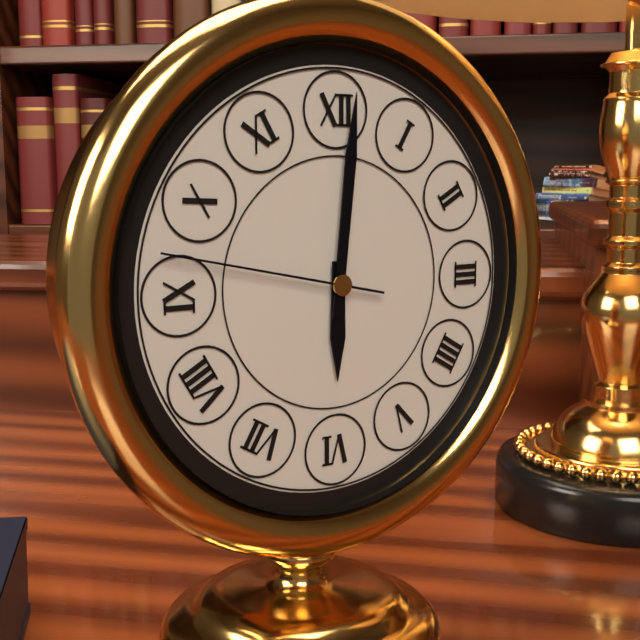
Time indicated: 6h01m47s
